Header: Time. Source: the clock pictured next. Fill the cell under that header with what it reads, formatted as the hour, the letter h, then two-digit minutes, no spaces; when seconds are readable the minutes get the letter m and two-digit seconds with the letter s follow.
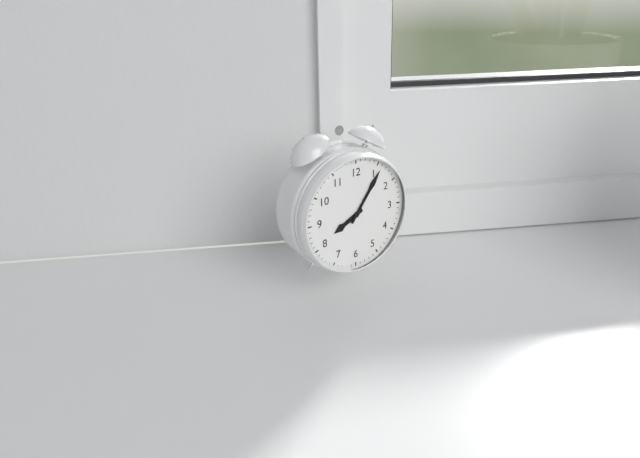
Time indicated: 8h06
